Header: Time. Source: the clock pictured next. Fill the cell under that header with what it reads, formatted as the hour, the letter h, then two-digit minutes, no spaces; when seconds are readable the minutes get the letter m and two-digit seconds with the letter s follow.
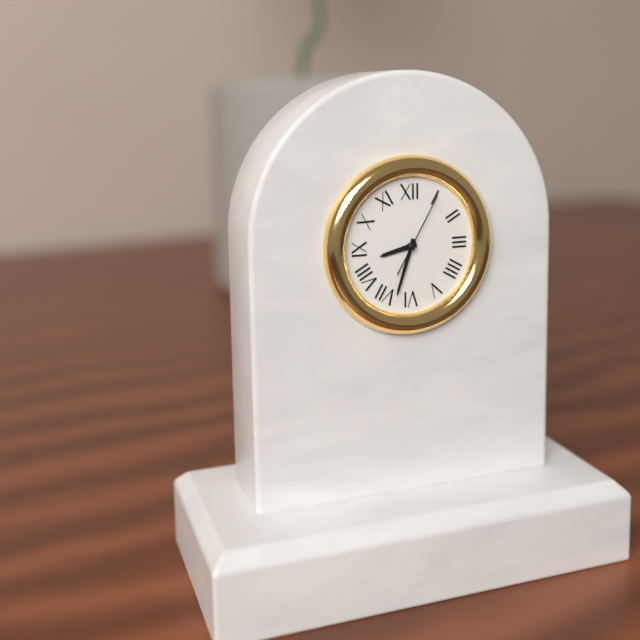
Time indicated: 8h33m05s
